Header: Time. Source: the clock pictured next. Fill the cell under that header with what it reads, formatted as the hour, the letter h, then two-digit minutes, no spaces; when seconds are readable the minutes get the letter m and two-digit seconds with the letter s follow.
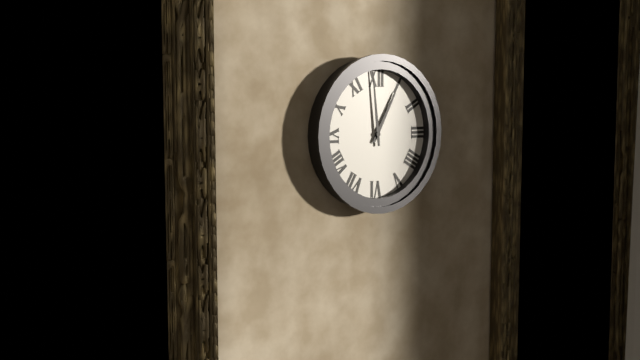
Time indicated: 12h59
